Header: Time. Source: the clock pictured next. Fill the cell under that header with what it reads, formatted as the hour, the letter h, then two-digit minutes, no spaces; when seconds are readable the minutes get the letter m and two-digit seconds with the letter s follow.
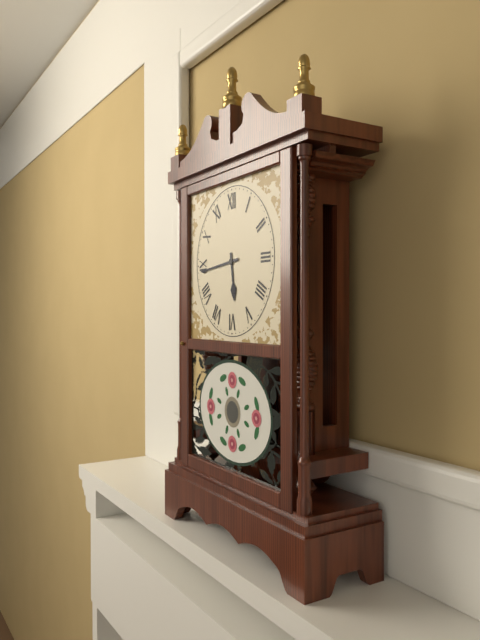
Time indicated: 5h44
